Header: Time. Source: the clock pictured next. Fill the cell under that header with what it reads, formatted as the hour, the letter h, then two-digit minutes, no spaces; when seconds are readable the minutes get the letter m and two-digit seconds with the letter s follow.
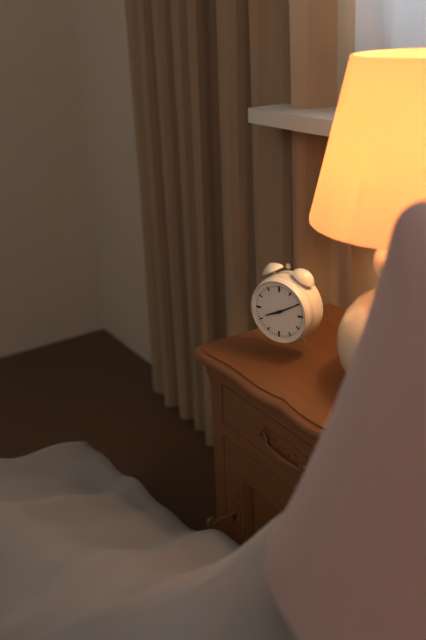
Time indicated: 8h10
